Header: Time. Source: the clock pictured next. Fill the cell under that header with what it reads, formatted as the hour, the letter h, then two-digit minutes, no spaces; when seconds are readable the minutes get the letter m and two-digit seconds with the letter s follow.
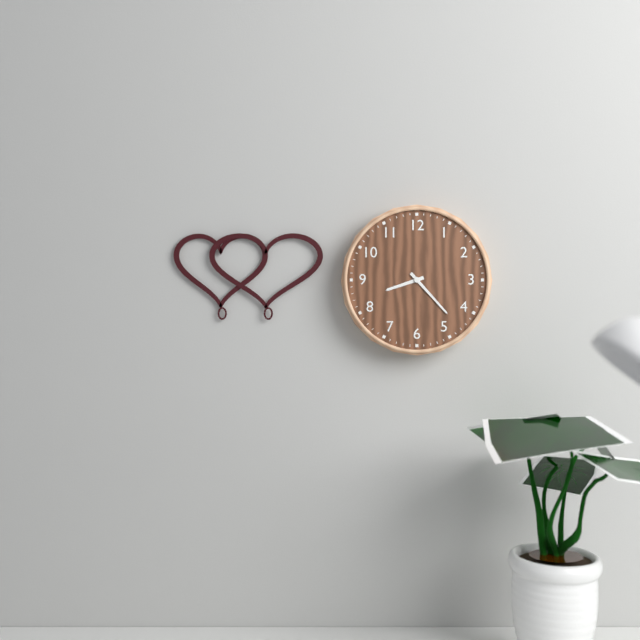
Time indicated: 8h23
